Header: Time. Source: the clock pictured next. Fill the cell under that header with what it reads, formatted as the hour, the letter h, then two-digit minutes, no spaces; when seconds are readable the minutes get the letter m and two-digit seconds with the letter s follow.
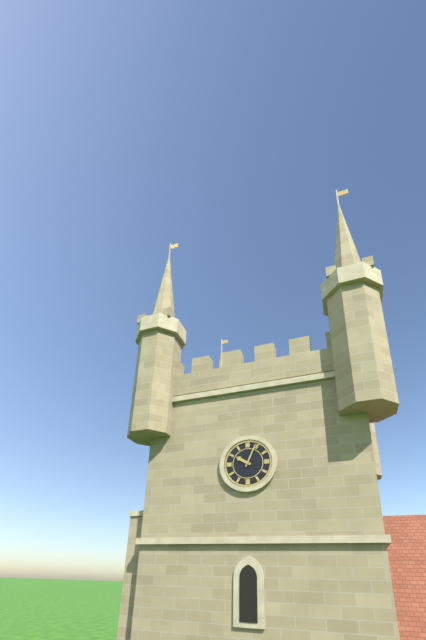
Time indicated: 10h04
